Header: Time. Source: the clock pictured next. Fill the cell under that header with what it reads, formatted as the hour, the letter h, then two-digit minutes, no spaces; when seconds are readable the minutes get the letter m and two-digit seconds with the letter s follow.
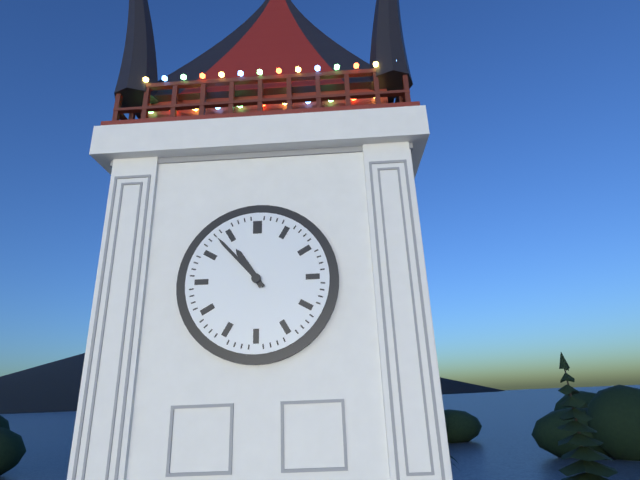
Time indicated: 10h53
